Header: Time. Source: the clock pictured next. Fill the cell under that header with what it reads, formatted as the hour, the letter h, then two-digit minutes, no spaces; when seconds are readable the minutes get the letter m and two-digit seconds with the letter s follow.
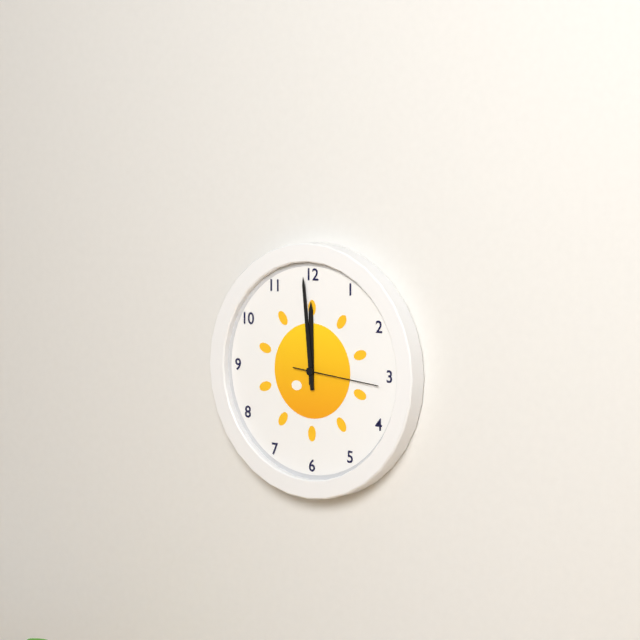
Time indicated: 11h59m16s
